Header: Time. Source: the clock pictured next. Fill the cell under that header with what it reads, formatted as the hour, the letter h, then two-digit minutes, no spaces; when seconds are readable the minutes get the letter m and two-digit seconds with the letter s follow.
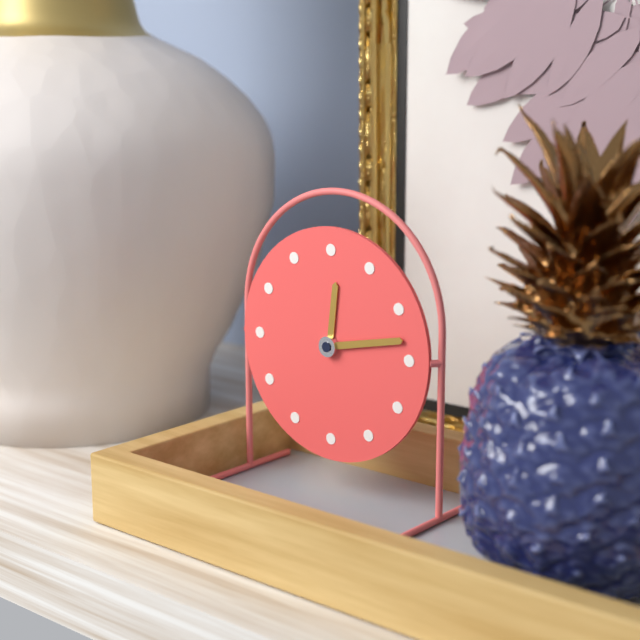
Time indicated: 12h13
